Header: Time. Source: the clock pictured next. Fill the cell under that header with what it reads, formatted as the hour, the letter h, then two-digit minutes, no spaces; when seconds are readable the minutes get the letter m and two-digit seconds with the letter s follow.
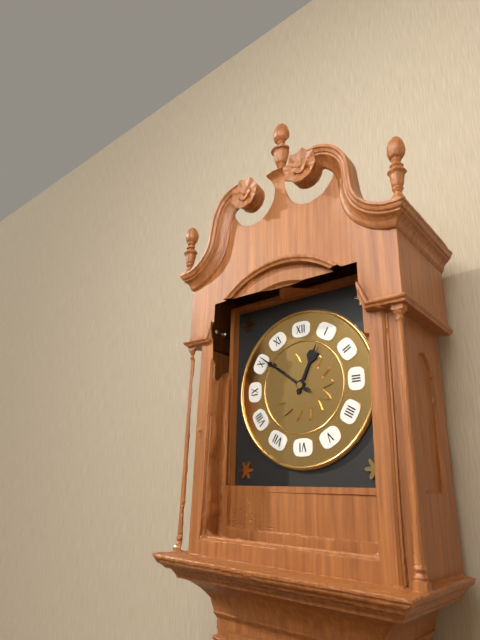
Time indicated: 12h51
